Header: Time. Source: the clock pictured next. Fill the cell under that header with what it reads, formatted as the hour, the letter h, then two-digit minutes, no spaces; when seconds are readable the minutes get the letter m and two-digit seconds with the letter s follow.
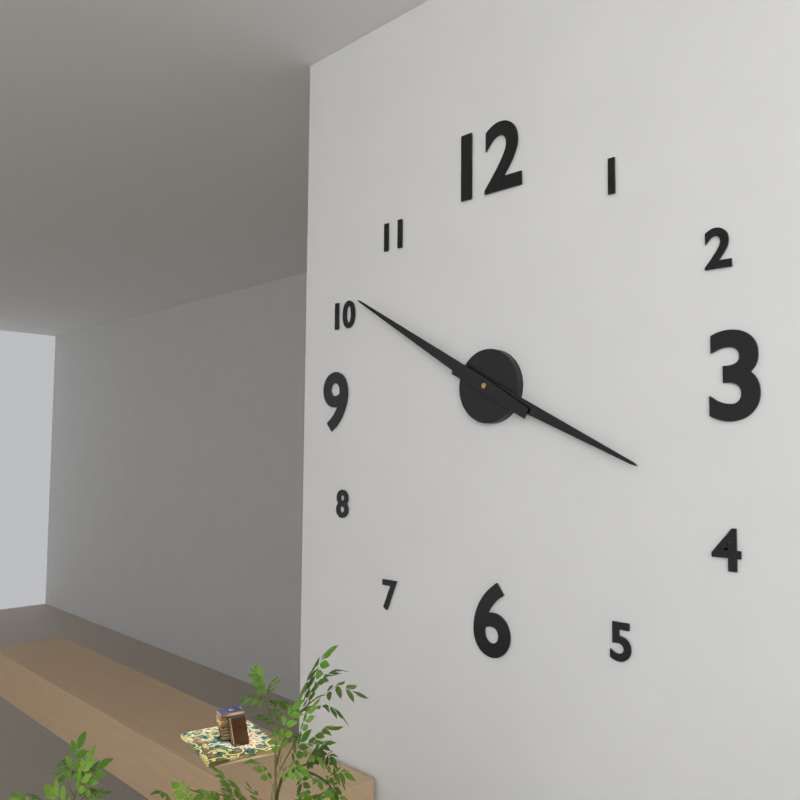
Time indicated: 3h50
